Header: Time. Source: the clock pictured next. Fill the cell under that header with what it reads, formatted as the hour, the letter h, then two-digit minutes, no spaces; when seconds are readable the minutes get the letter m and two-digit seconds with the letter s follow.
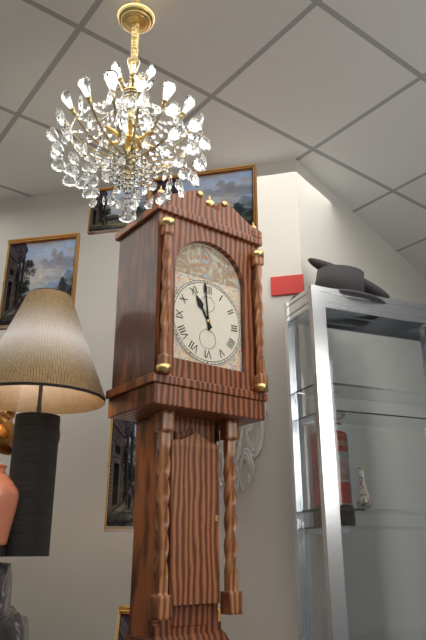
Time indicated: 10h59
